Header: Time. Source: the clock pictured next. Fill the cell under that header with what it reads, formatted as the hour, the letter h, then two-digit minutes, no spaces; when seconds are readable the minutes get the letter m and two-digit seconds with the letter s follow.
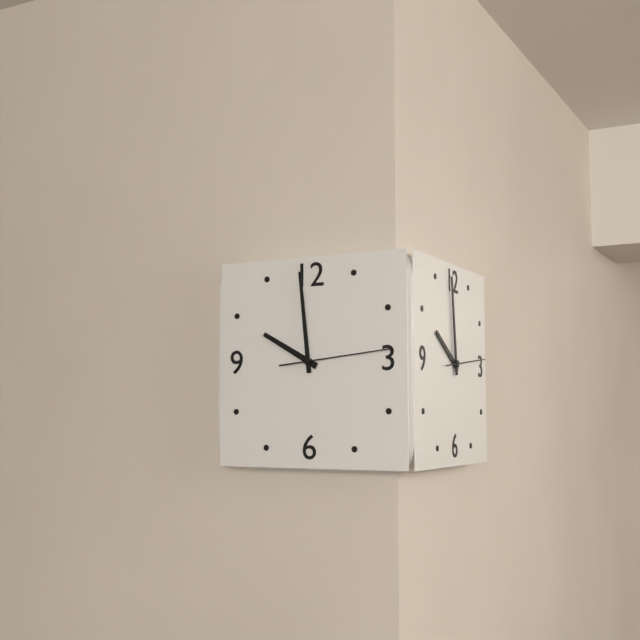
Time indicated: 9h59m14s
